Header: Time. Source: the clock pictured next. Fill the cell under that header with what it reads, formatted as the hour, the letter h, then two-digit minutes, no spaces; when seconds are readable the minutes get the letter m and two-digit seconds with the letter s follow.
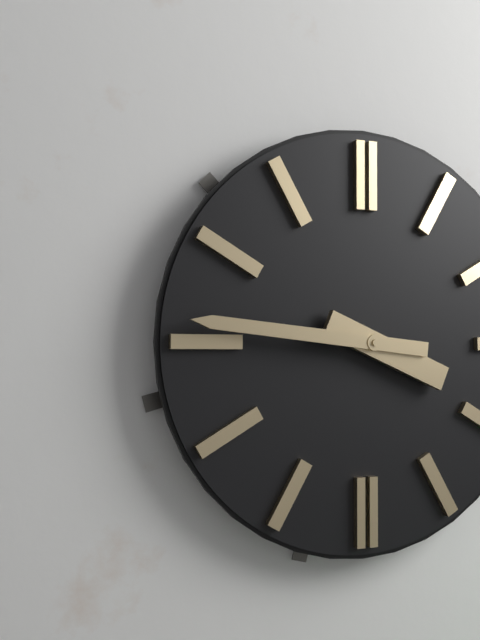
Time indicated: 3h46
